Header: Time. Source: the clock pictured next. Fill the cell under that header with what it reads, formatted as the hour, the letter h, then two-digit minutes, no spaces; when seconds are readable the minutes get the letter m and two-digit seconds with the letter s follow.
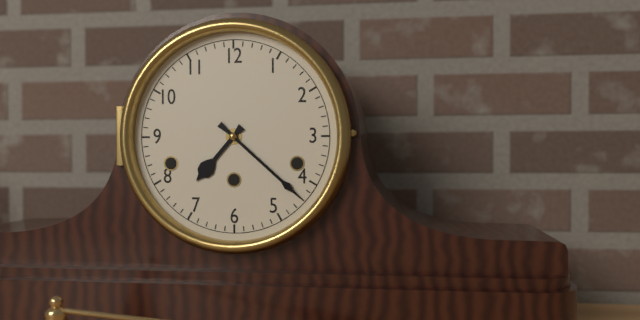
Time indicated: 7h22
